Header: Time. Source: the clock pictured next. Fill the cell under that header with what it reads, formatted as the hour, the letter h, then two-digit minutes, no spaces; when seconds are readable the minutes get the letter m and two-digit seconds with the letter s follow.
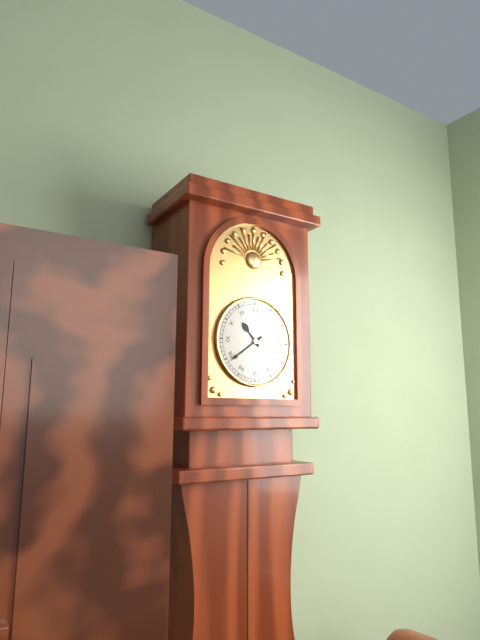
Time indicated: 10h39
